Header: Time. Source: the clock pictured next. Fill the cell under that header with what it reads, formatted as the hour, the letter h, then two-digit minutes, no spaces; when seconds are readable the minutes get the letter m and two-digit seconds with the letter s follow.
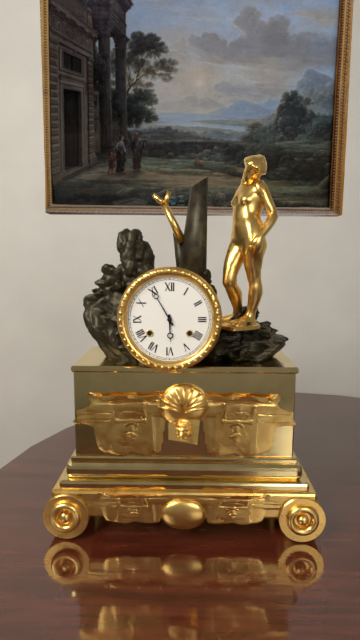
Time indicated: 5h55
